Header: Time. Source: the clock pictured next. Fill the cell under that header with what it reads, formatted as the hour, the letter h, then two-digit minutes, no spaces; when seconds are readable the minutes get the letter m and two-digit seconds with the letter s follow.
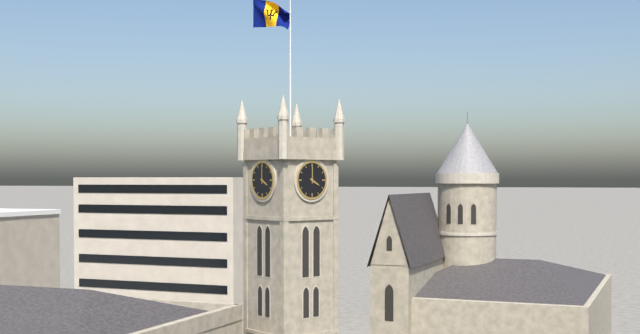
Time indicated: 4h00
